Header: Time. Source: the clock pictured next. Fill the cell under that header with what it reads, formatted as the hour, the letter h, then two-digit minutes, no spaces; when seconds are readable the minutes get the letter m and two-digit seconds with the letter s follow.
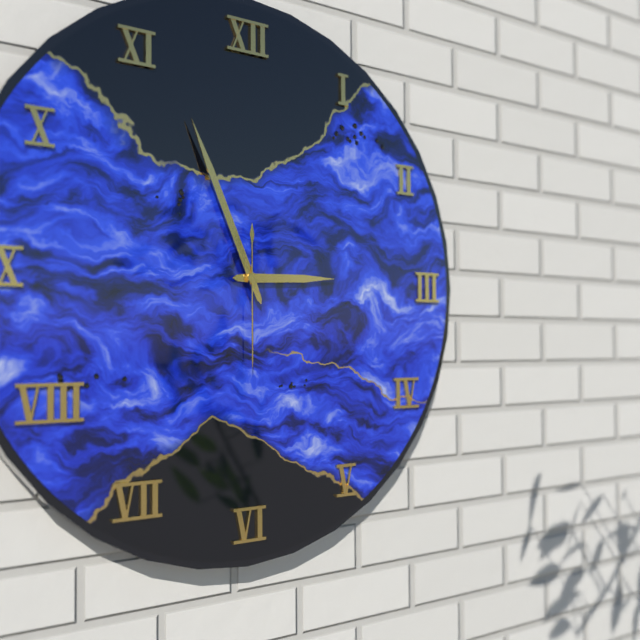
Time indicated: 2h56m30s
